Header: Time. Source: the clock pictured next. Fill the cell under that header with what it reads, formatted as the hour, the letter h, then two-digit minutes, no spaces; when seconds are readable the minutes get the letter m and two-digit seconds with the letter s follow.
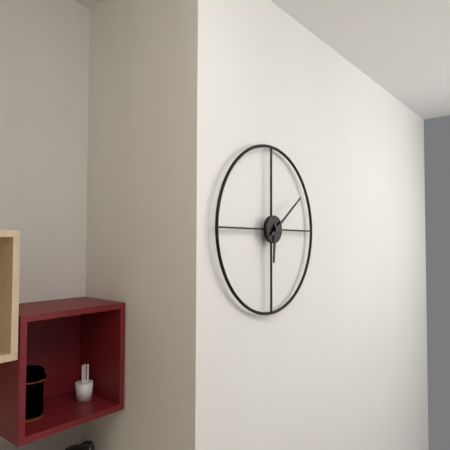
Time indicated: 6h09
